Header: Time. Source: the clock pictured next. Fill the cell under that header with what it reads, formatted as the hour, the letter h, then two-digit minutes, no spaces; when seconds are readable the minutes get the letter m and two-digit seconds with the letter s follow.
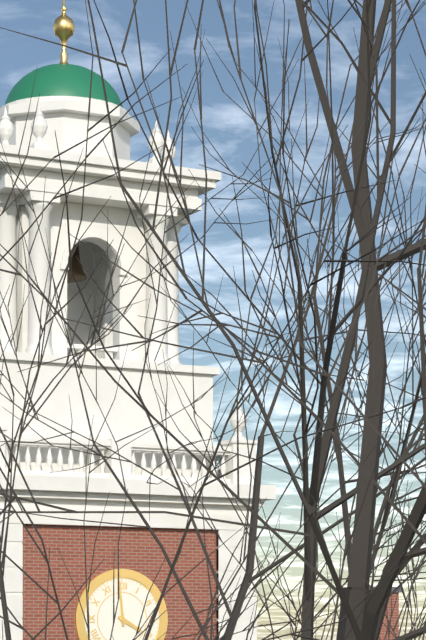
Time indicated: 3h59
